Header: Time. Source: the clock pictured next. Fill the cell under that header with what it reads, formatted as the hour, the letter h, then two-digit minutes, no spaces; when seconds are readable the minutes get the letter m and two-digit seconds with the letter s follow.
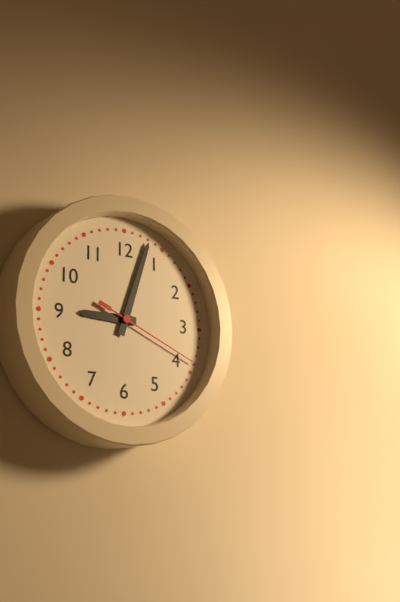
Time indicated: 9h03m19s
